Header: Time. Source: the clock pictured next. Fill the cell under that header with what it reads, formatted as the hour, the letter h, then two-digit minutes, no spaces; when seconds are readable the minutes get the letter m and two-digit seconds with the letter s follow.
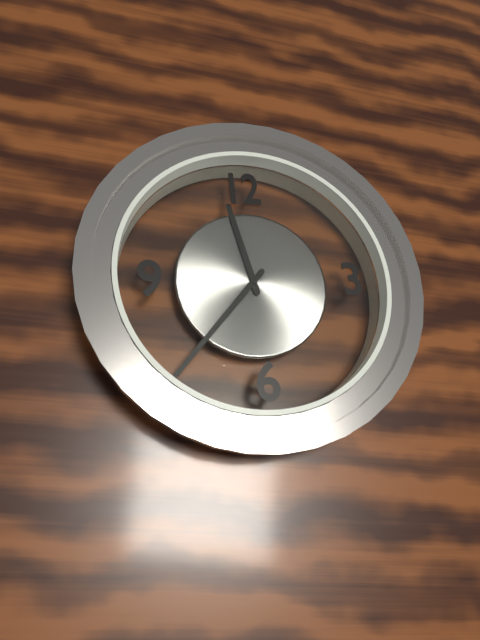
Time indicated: 11h37
